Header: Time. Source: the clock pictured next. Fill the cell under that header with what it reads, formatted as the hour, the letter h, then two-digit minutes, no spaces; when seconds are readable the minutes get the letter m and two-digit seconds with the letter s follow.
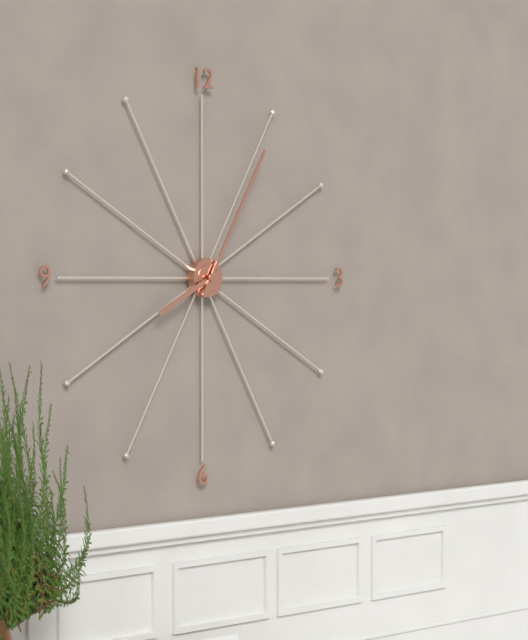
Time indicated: 8h05
